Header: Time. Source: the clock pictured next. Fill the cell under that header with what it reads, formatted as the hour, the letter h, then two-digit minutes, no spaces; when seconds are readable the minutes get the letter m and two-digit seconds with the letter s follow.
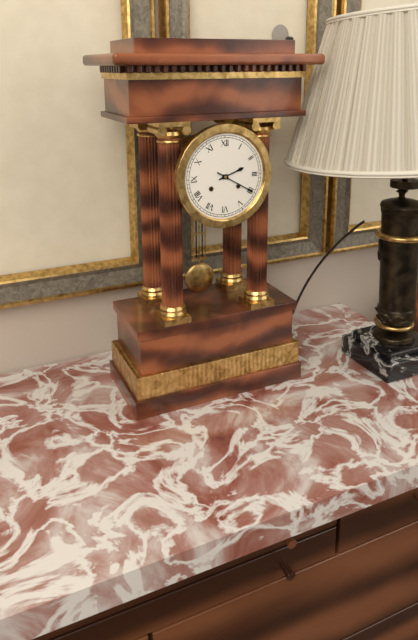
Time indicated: 2h20
